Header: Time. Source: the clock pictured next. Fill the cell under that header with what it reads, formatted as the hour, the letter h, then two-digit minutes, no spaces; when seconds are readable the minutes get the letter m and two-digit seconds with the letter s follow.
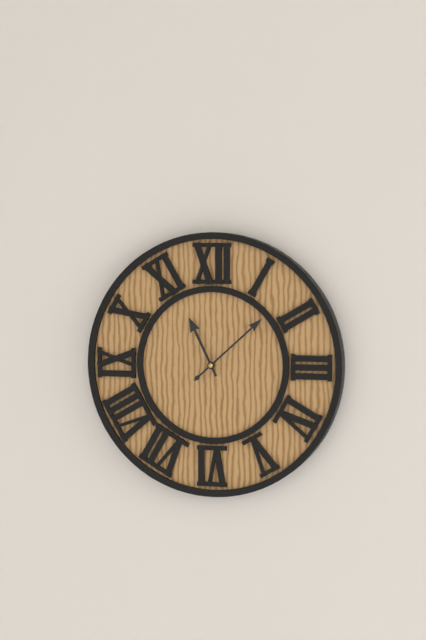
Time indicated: 11h08
